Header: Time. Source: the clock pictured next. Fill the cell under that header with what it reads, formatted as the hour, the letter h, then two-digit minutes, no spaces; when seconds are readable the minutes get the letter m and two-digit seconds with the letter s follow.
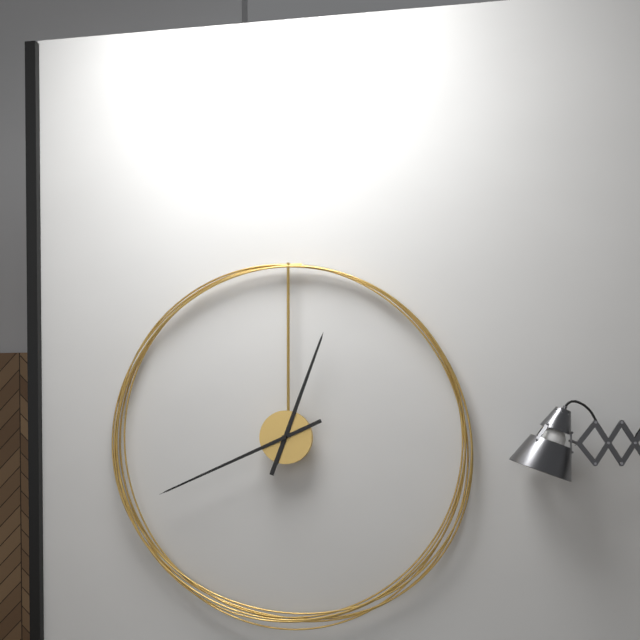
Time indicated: 12h41
